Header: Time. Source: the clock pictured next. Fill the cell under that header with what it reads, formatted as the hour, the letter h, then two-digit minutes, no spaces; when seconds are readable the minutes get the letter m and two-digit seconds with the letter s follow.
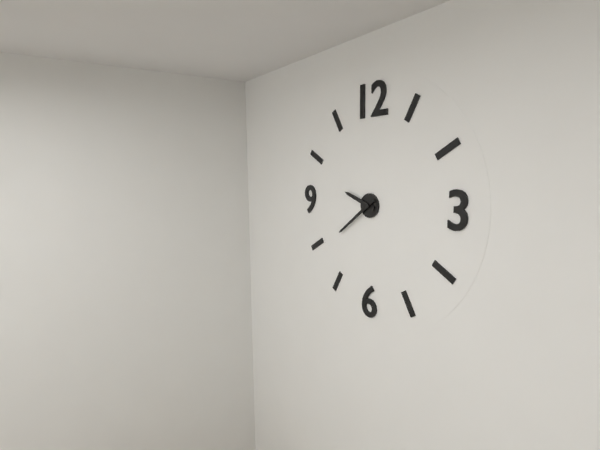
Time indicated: 9h39
